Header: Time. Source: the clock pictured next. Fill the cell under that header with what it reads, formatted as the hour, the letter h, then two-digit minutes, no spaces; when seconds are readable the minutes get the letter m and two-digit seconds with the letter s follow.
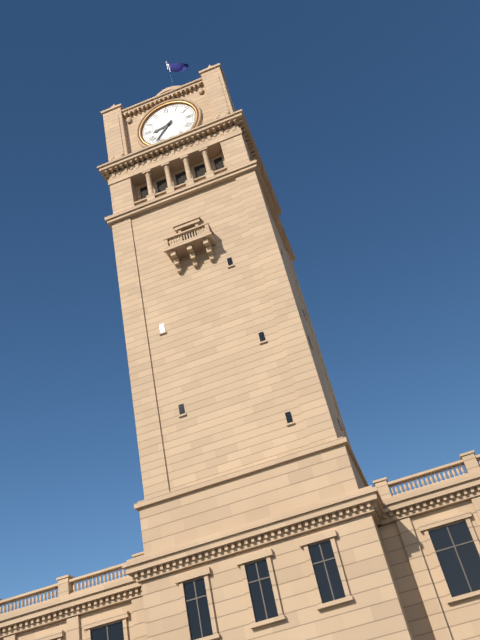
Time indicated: 8h37
